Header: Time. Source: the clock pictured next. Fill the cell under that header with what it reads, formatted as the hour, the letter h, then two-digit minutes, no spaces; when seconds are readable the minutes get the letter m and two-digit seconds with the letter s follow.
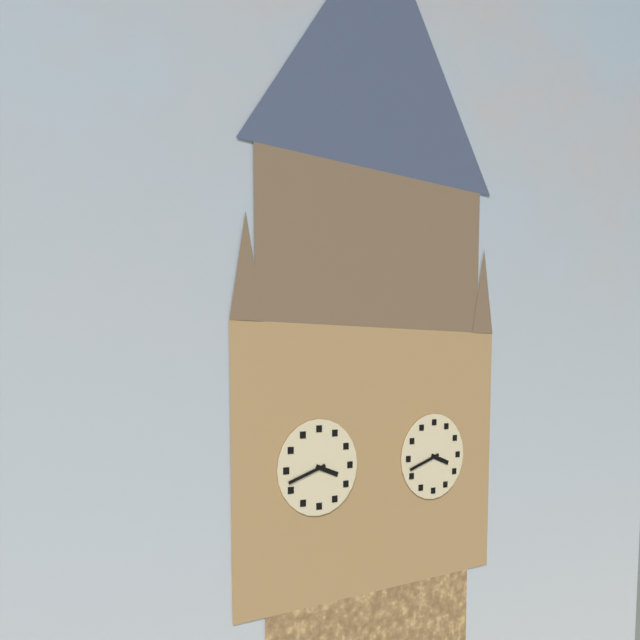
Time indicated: 3h42
